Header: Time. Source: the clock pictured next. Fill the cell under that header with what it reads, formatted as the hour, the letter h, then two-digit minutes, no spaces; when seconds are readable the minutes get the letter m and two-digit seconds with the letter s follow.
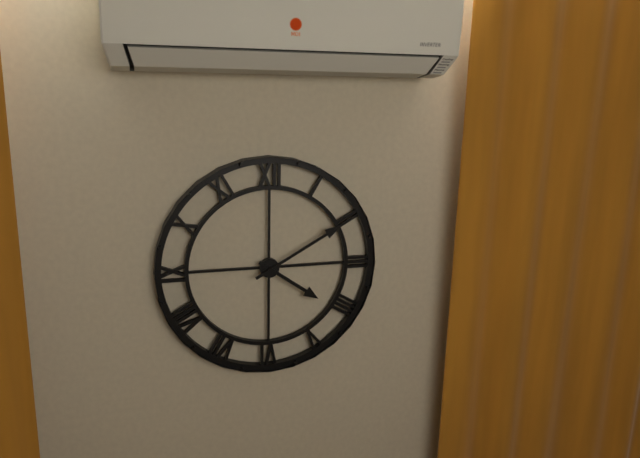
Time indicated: 4h10
